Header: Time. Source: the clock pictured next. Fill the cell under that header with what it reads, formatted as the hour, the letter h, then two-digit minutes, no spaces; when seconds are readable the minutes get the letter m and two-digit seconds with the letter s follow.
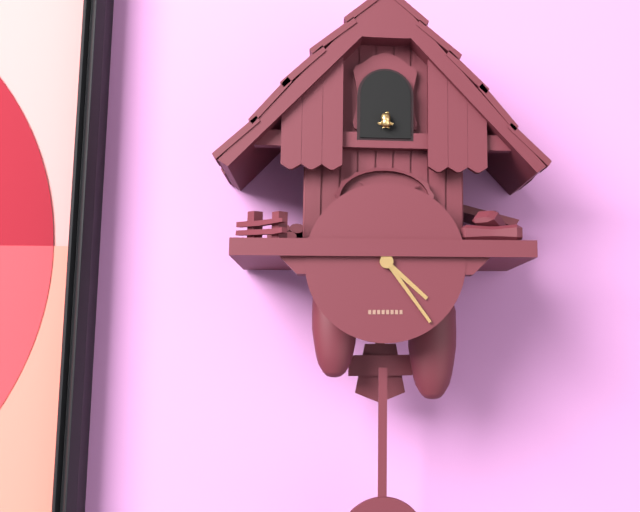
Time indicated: 4h24
